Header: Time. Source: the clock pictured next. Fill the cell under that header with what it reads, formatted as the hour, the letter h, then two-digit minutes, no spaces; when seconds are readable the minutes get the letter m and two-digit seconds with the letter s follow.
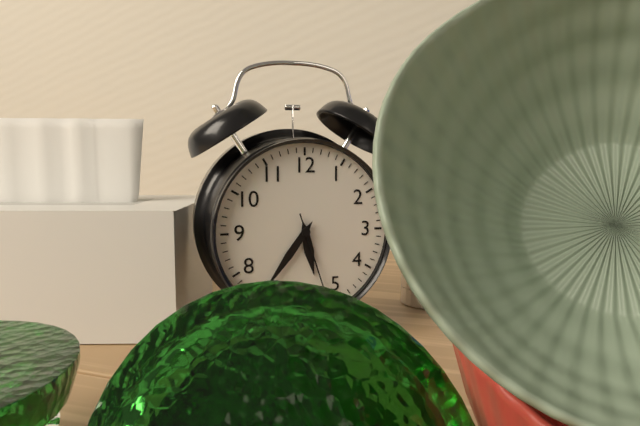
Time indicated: 5h36m27s
